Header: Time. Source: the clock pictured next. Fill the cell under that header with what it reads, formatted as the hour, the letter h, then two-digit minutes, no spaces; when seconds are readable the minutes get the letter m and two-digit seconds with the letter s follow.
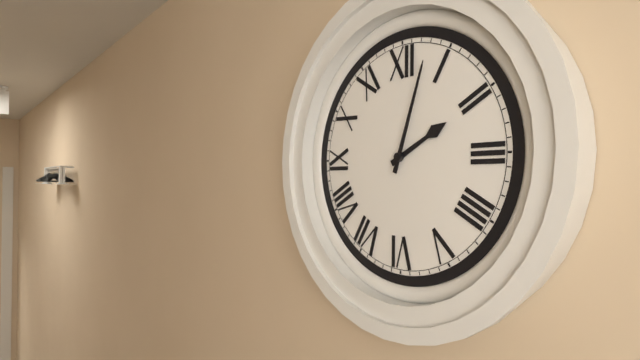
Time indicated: 2h03
